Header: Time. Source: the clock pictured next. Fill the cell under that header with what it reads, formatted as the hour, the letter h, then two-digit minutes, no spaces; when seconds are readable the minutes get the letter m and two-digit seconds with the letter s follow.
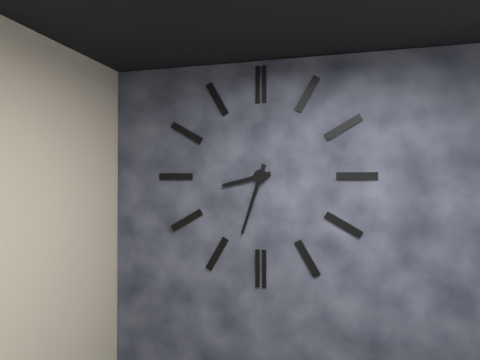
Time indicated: 8h33
